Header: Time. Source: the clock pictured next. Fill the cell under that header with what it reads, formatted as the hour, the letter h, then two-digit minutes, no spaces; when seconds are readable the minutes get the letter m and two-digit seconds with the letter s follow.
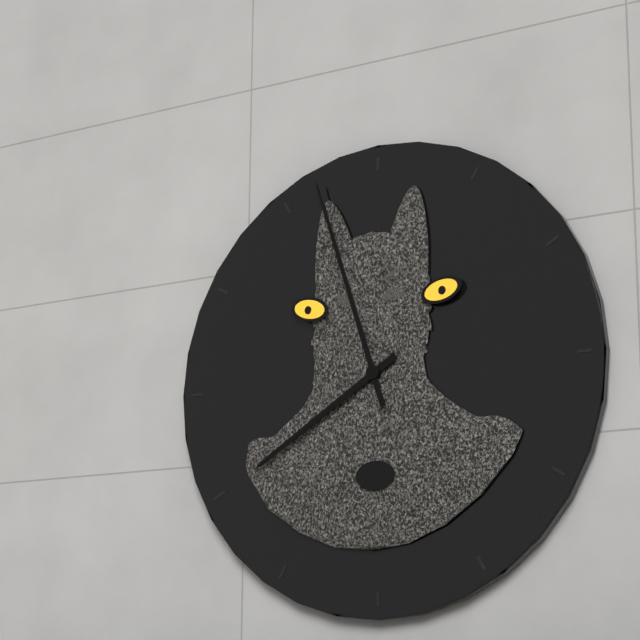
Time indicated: 7h57
